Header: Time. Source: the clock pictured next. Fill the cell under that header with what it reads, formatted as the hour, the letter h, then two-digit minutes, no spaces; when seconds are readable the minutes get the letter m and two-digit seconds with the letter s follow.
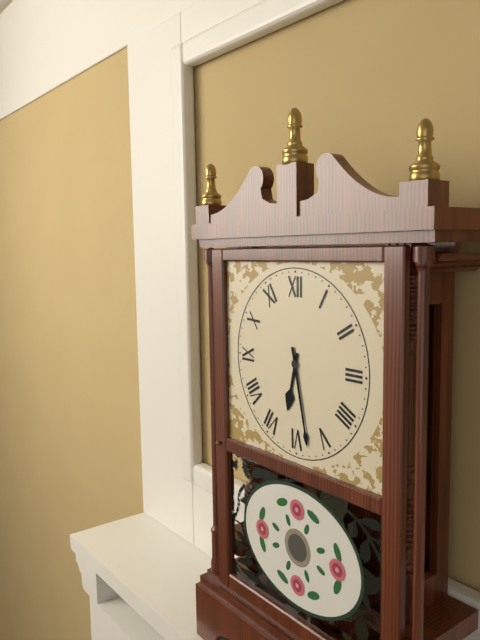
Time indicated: 6h28
